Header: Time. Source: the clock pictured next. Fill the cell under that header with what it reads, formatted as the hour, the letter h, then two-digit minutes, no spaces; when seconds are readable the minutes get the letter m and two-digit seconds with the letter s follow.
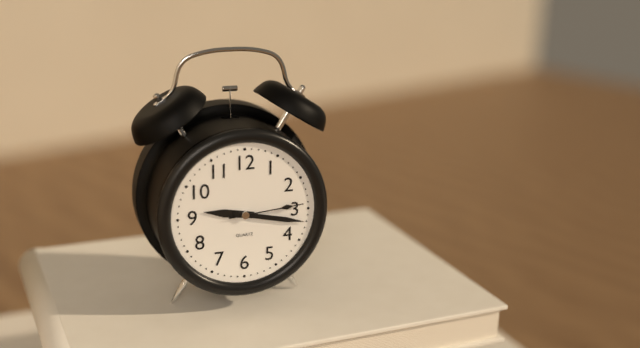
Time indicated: 9h17m14s
